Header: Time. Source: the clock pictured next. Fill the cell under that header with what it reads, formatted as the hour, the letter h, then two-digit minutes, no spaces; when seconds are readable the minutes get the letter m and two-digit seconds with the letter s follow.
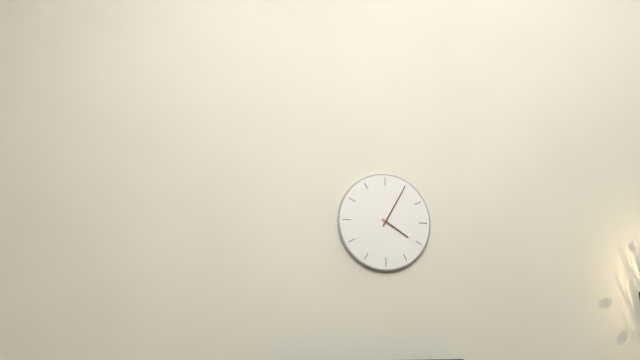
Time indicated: 4h05
